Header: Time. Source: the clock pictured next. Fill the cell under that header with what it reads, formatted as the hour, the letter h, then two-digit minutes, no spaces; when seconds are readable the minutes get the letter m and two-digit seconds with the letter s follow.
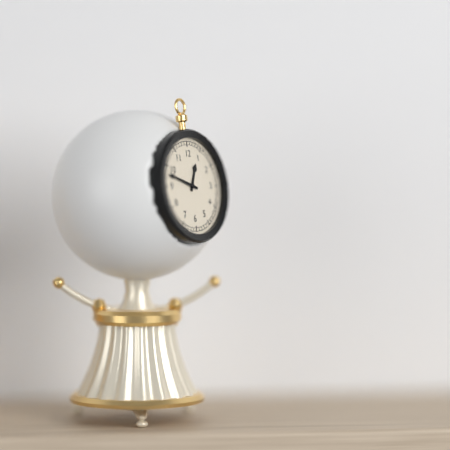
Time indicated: 12h48
